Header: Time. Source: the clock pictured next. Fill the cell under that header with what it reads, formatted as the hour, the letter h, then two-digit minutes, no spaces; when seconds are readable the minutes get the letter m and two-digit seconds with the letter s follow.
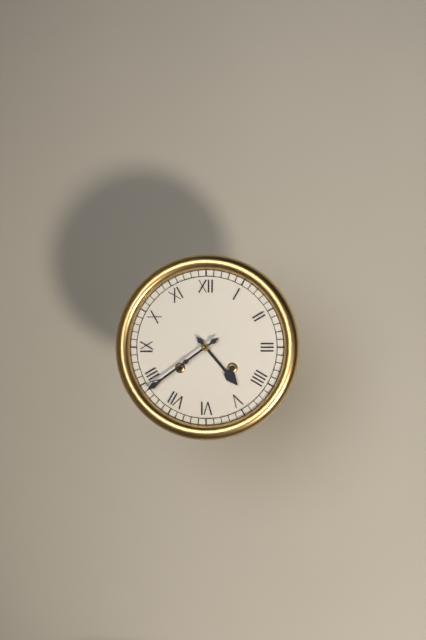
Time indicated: 4h39
